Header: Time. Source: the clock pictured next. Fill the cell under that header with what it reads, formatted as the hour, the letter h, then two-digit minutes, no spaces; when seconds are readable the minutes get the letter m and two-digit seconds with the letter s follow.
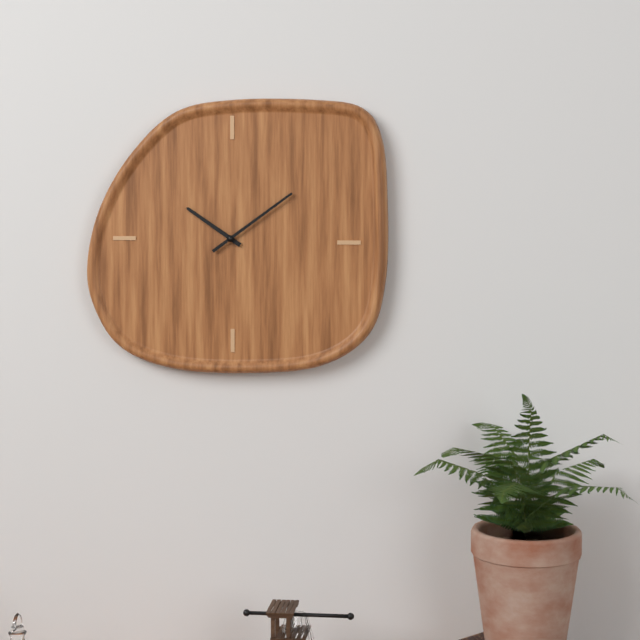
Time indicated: 10h09
